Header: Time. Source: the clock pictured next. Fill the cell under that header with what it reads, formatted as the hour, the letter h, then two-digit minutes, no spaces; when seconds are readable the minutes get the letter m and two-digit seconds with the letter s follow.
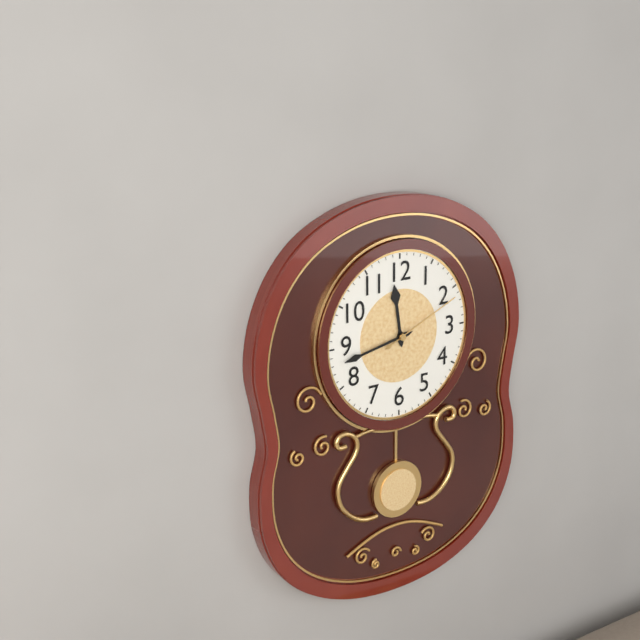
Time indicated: 11h43m11s
